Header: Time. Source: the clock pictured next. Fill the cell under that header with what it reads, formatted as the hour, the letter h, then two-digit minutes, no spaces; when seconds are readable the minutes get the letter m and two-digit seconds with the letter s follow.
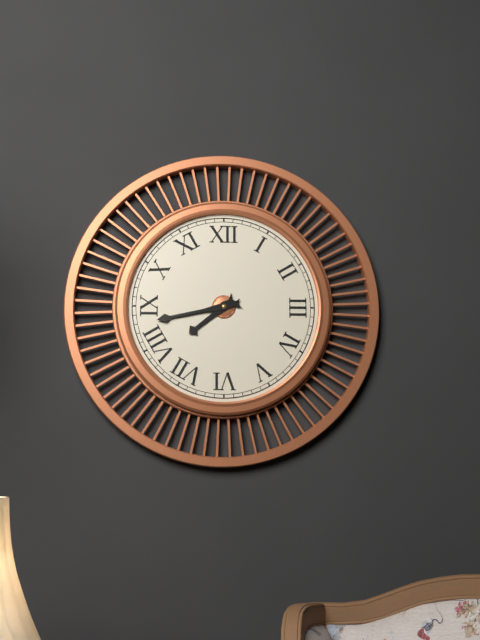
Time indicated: 7h43
